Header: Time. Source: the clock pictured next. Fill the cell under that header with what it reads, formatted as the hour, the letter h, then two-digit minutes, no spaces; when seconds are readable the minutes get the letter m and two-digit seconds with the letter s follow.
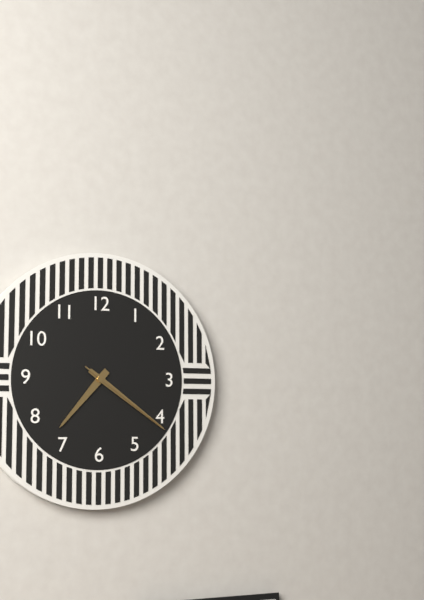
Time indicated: 7h21m21s
